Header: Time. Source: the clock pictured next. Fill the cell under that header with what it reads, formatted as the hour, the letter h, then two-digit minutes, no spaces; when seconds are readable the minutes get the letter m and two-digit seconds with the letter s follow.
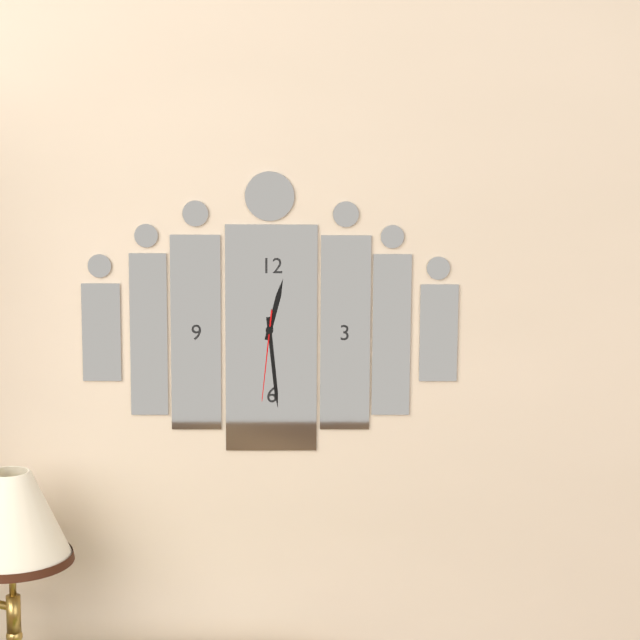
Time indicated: 12h29m31s
